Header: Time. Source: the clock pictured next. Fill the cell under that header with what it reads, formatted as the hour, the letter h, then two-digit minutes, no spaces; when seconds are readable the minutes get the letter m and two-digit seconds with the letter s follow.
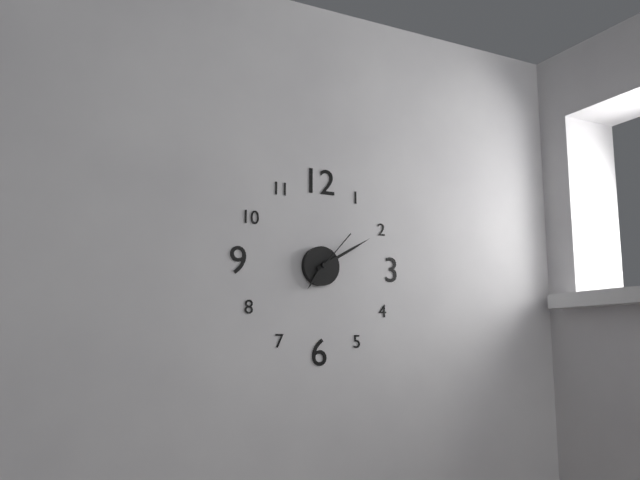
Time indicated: 7h10m07s
